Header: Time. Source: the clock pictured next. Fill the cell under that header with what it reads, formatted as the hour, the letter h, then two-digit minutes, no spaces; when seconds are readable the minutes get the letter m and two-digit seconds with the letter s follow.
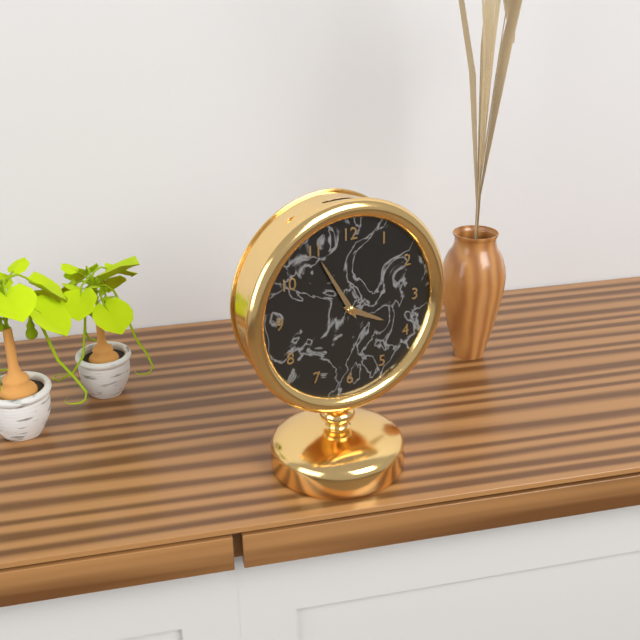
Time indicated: 3h55
